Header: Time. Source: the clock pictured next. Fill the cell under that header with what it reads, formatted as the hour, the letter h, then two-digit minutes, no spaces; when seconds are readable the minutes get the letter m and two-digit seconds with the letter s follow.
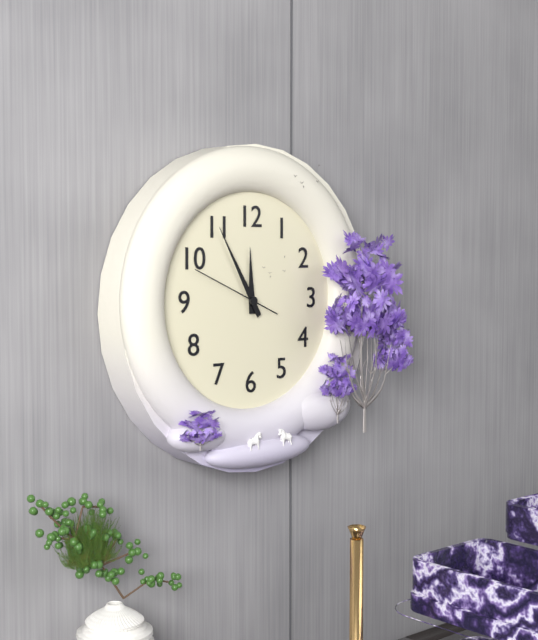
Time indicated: 11h55m49s
